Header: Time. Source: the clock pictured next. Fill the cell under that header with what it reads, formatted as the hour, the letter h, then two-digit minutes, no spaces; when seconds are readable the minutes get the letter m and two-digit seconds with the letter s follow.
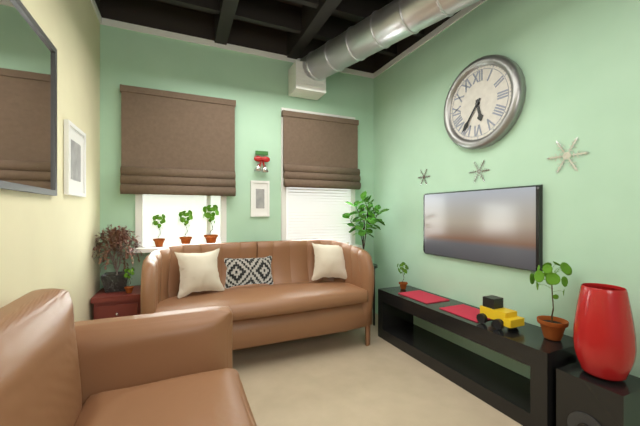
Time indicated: 5h36
